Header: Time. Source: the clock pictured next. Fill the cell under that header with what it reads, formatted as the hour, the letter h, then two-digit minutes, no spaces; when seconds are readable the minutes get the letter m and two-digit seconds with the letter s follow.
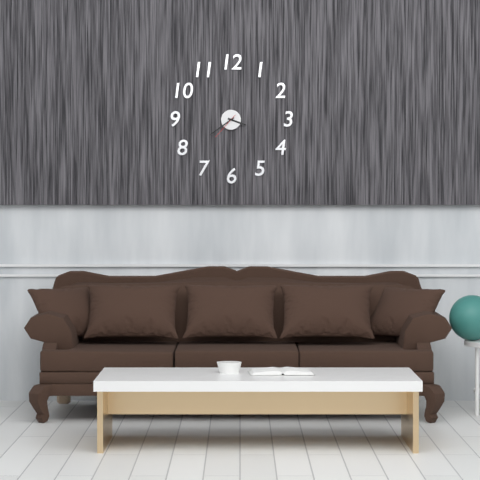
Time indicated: 3h39
